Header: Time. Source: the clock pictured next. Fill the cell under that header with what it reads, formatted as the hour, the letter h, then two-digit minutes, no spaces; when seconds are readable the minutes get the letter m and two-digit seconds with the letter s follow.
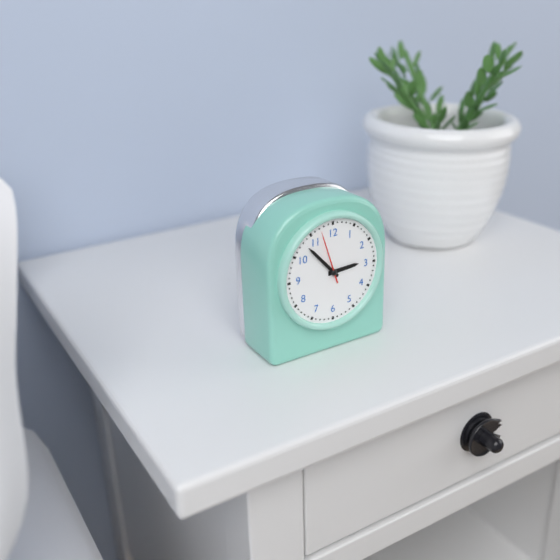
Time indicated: 2h53m57s
